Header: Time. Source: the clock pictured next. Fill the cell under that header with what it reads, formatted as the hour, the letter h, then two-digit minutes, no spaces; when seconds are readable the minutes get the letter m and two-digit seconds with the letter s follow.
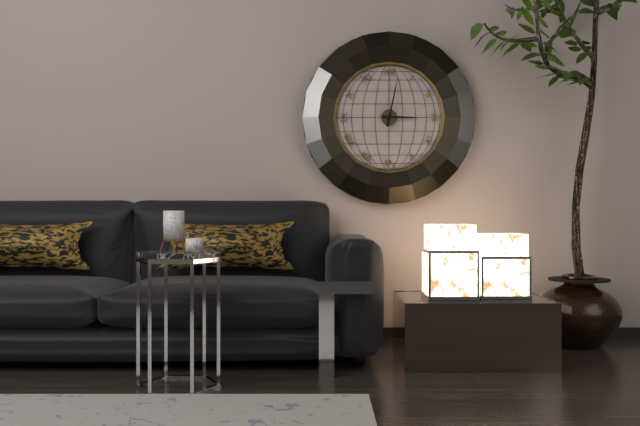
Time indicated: 3h02
